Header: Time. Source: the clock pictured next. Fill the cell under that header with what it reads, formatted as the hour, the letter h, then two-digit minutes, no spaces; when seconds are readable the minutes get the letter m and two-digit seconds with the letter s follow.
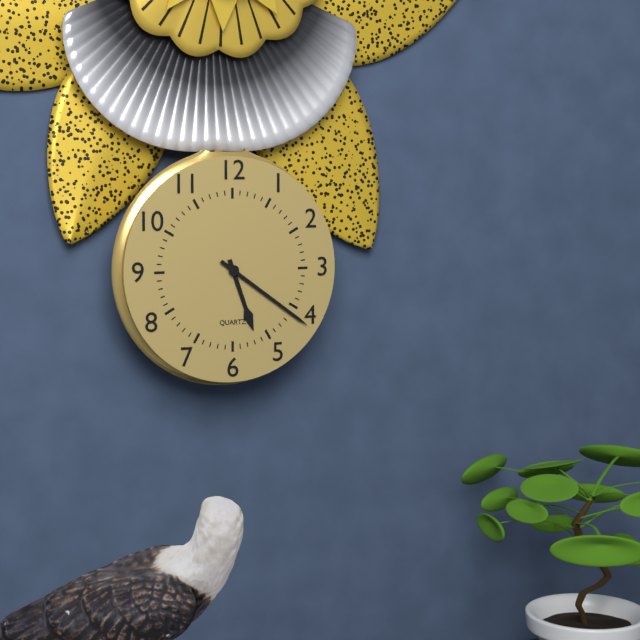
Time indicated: 5h21
